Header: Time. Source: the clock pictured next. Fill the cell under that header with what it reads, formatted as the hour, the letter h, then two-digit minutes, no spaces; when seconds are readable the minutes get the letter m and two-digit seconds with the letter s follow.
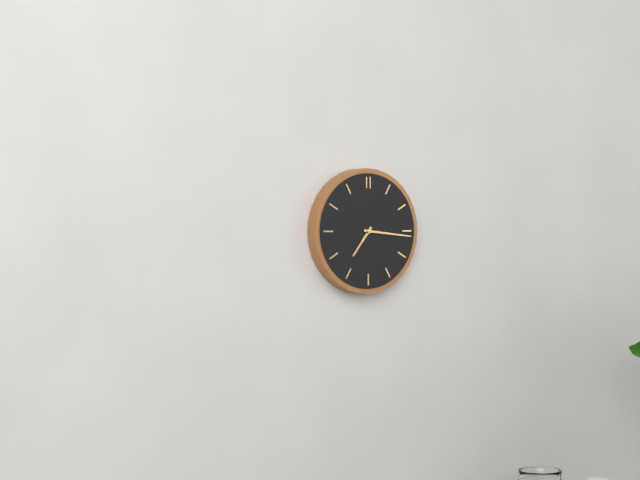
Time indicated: 7h16
